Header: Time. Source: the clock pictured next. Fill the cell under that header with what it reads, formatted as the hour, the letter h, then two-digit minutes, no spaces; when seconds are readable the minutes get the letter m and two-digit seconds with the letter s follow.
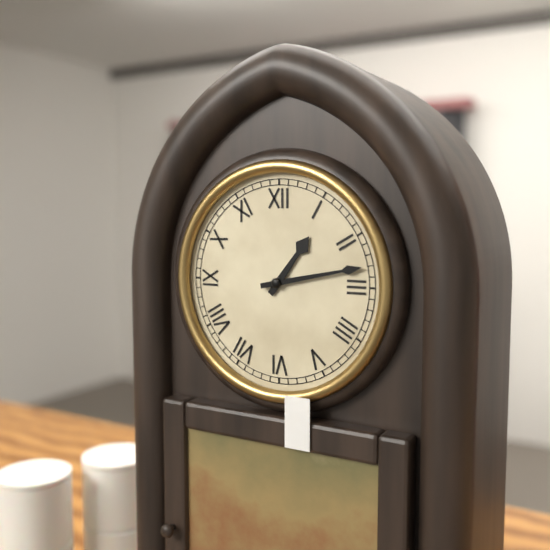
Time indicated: 1h13
